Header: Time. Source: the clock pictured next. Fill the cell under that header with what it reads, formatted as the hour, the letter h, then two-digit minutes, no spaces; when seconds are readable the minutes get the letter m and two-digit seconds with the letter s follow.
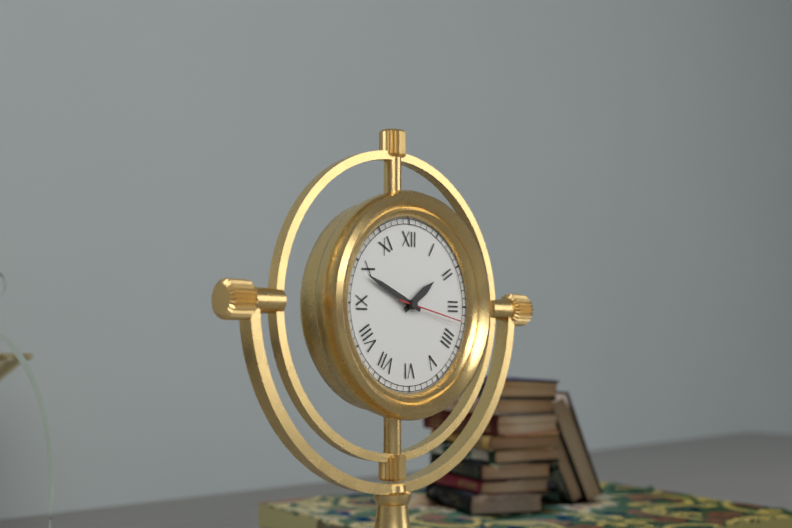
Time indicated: 1h49m17s
